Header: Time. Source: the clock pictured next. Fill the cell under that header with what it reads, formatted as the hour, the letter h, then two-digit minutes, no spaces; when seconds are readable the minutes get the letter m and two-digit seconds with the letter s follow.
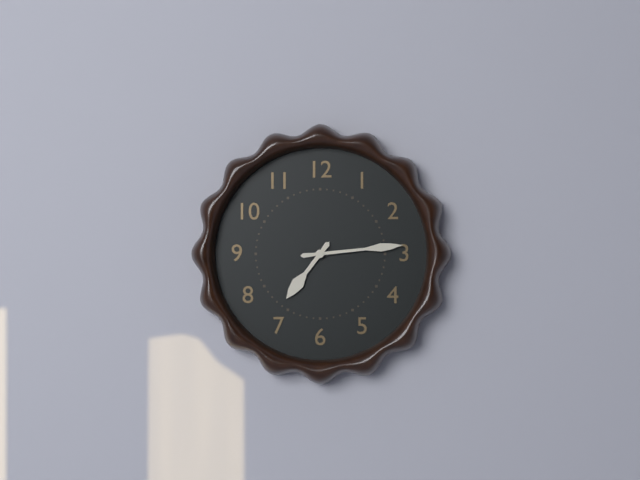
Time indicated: 7h14
